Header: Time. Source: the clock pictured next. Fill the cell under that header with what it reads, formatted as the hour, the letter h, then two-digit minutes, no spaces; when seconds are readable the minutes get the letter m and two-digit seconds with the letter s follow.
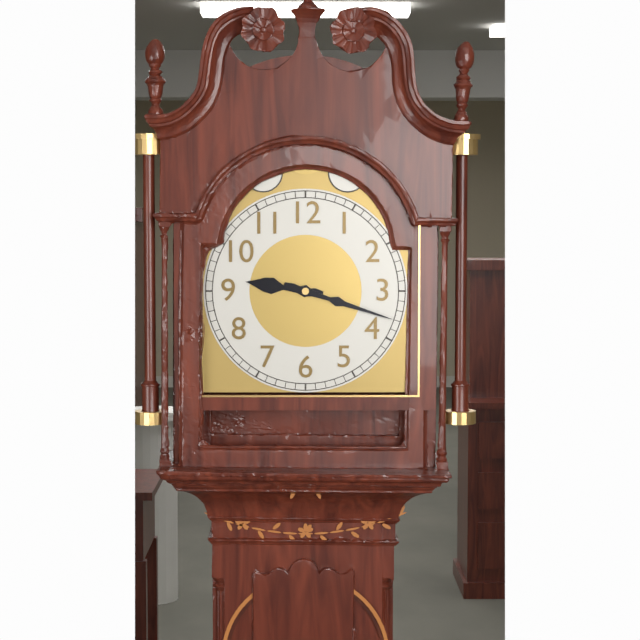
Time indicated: 9h18
